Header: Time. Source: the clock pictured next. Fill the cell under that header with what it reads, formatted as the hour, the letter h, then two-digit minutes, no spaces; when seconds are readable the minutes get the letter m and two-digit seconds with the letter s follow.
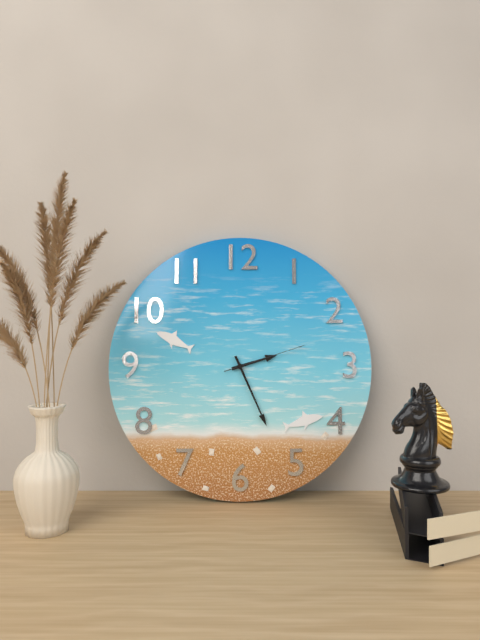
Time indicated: 2h26m12s
